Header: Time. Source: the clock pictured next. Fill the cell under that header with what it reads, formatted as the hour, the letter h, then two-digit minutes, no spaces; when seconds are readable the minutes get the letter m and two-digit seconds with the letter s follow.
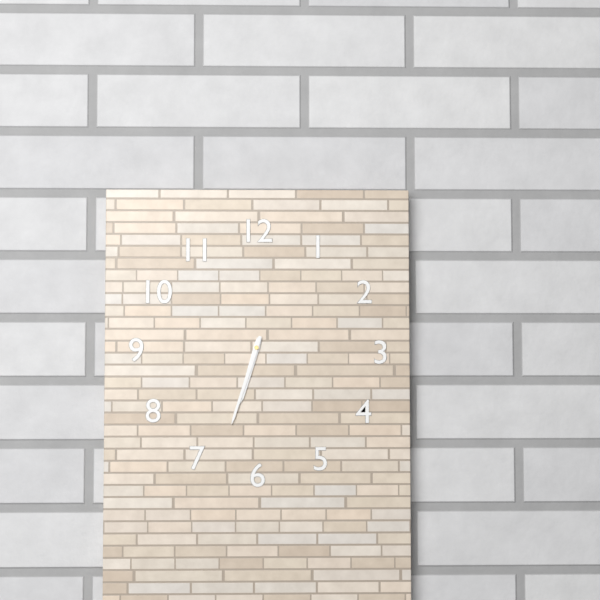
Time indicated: 6h33
